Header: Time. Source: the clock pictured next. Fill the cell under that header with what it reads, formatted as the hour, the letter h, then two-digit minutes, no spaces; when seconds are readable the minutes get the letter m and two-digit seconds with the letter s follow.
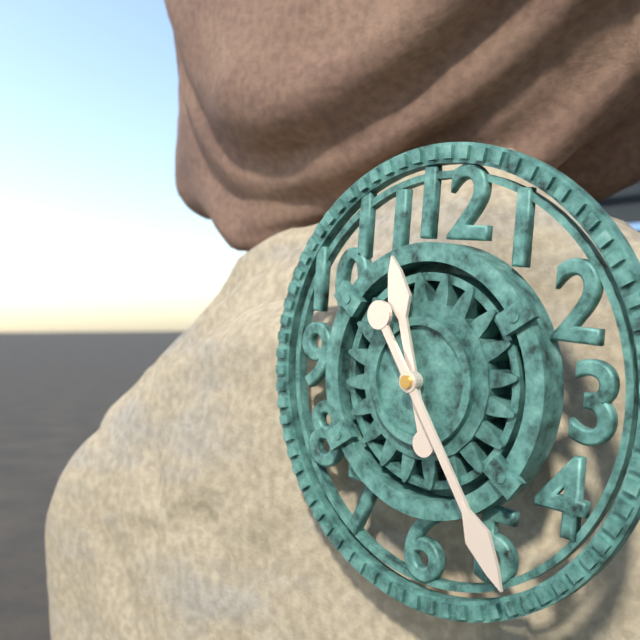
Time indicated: 11h24
